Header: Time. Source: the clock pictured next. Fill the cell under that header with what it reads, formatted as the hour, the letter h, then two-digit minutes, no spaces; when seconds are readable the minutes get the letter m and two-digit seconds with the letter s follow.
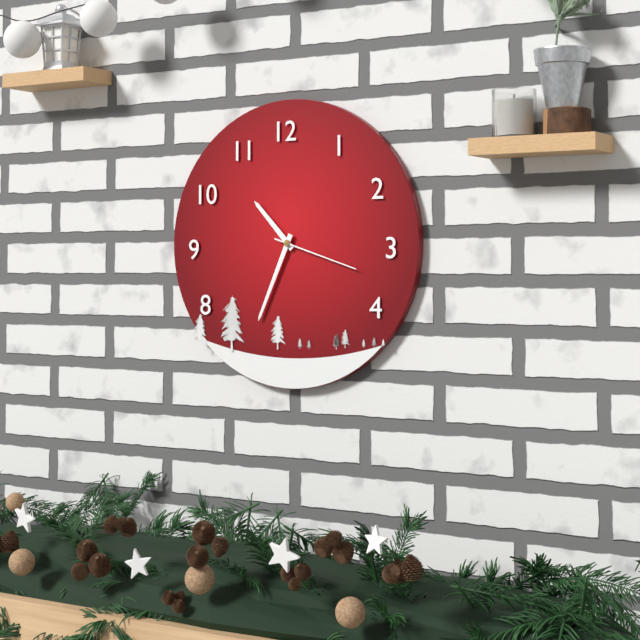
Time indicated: 10h34m18s
